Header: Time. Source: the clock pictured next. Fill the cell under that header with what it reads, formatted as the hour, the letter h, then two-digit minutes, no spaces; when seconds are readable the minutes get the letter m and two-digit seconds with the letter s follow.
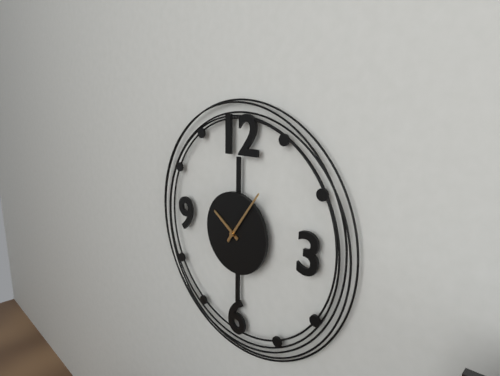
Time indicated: 10h06
